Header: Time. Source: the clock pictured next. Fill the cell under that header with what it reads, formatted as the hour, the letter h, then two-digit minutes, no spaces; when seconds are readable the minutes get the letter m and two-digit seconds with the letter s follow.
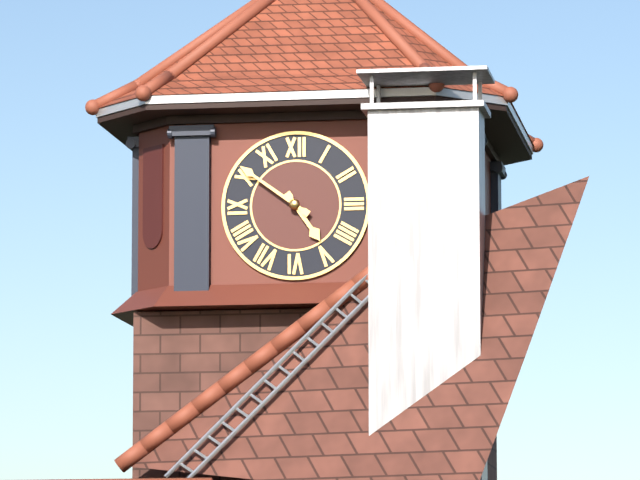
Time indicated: 4h51
